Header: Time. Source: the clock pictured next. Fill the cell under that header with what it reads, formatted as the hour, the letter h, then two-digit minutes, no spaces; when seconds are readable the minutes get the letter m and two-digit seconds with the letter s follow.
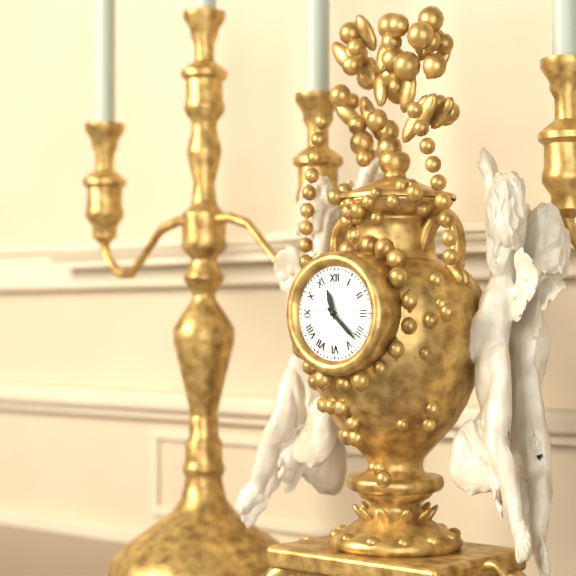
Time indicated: 11h22
